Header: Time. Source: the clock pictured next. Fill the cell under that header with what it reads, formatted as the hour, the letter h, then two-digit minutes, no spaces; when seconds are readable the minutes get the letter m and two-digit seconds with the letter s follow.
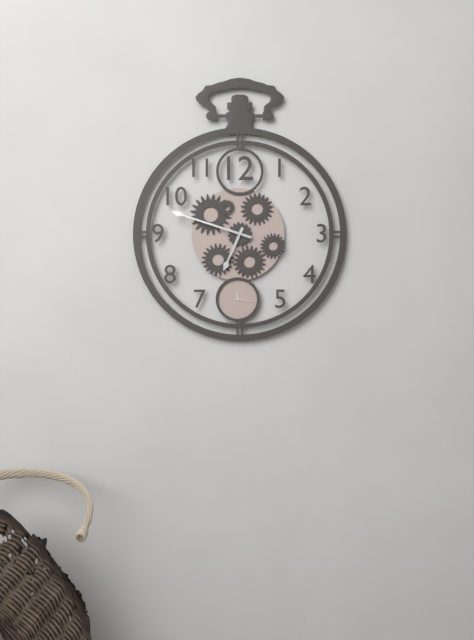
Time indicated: 6h48
